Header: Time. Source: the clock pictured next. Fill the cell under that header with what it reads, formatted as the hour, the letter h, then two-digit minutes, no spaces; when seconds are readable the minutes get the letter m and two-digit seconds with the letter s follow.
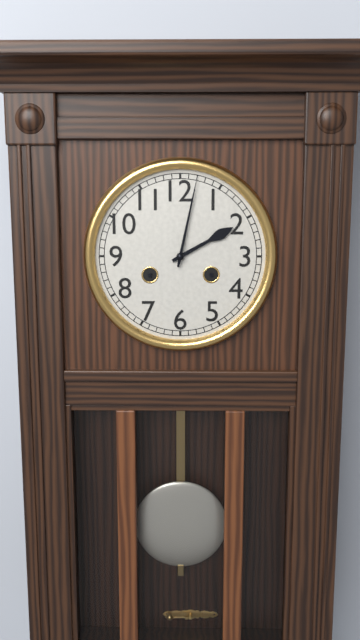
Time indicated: 2h02
